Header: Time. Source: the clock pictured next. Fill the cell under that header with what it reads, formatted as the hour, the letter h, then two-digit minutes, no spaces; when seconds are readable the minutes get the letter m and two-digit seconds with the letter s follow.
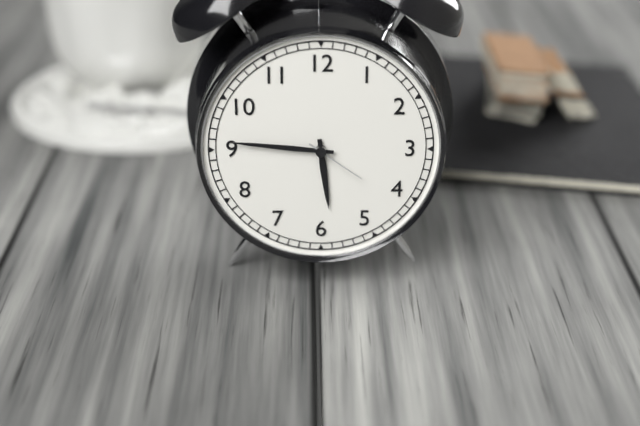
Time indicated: 5h46m21s
